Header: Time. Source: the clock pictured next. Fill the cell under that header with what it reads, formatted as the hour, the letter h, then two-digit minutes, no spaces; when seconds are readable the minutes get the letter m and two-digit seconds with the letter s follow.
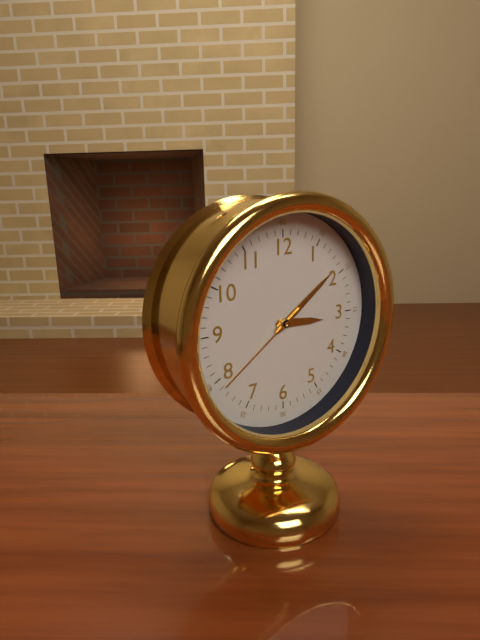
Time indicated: 3h09m39s
